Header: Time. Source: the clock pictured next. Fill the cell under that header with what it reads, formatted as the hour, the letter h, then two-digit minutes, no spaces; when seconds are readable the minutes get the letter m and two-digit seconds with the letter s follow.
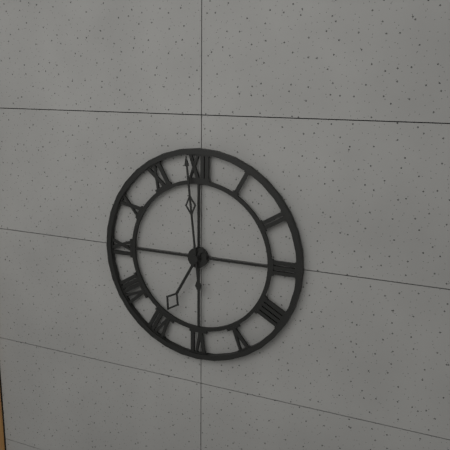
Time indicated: 6h59
